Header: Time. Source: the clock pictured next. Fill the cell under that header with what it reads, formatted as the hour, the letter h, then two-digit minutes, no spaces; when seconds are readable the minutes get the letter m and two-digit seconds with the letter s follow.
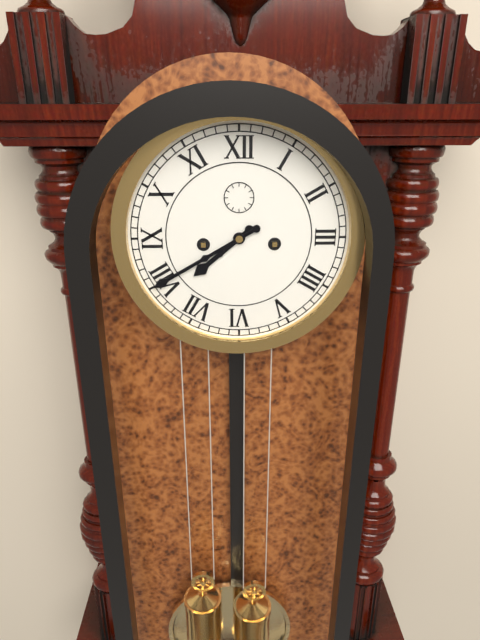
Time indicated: 7h40
